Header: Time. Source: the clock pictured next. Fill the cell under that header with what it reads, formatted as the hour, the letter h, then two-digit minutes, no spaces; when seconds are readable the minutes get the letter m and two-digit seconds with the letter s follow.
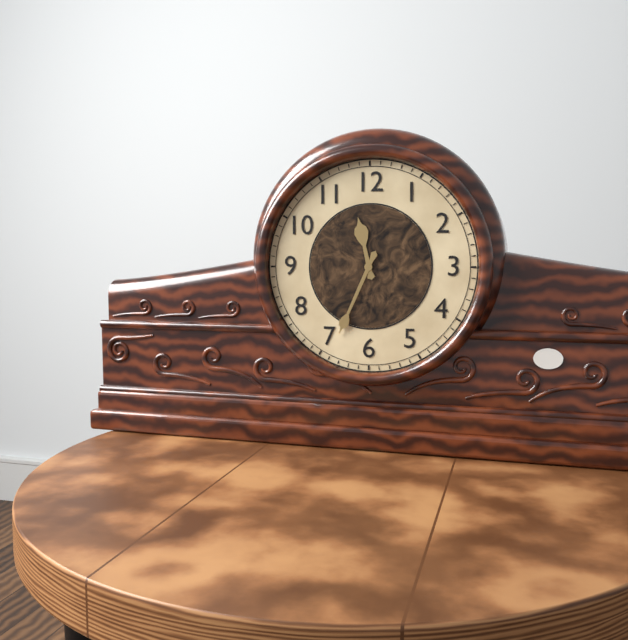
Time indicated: 11h34
